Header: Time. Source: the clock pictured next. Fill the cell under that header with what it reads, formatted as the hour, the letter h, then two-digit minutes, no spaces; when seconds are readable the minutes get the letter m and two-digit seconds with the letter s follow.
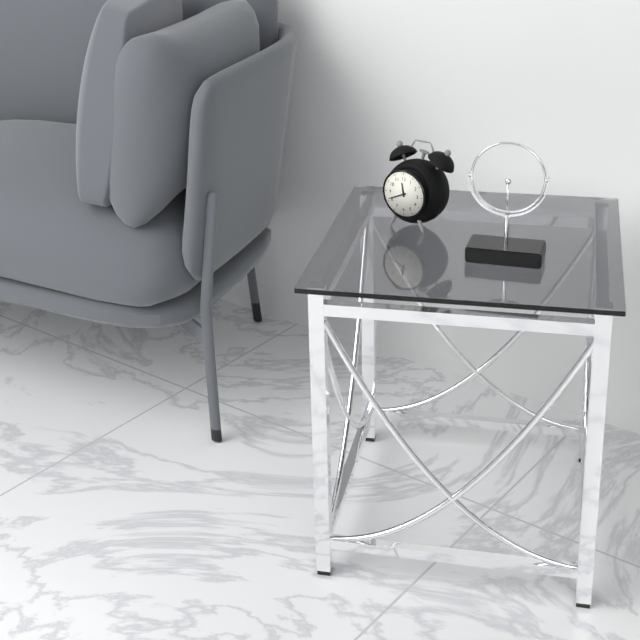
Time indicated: 11h41
